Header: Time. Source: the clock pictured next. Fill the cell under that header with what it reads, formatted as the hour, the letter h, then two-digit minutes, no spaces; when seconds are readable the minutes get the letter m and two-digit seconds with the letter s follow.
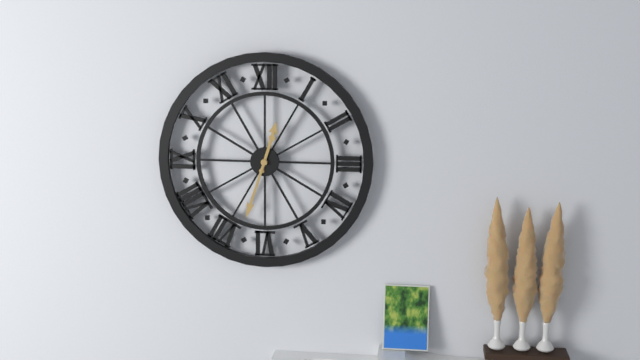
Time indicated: 12h33
